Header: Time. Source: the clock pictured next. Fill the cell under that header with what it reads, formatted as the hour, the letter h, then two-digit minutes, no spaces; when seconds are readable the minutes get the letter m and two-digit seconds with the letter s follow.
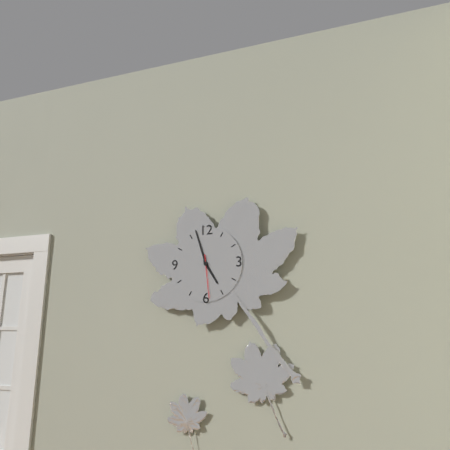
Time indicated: 4h57
